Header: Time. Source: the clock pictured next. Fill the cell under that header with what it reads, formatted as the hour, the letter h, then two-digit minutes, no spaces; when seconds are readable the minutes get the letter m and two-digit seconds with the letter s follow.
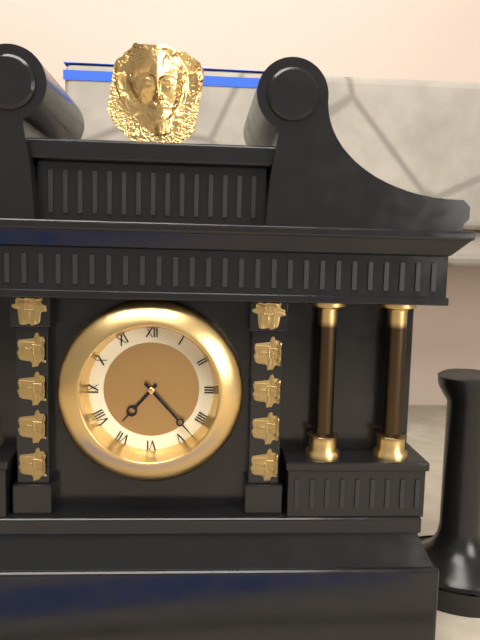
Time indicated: 7h23
